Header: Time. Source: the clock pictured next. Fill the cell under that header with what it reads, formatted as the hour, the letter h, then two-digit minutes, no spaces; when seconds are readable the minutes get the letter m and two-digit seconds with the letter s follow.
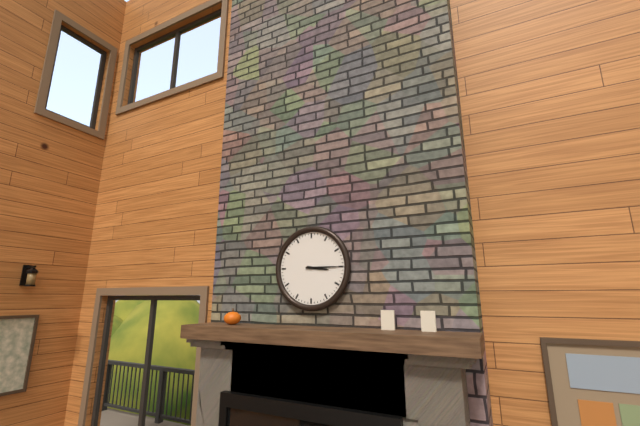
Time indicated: 3h15
